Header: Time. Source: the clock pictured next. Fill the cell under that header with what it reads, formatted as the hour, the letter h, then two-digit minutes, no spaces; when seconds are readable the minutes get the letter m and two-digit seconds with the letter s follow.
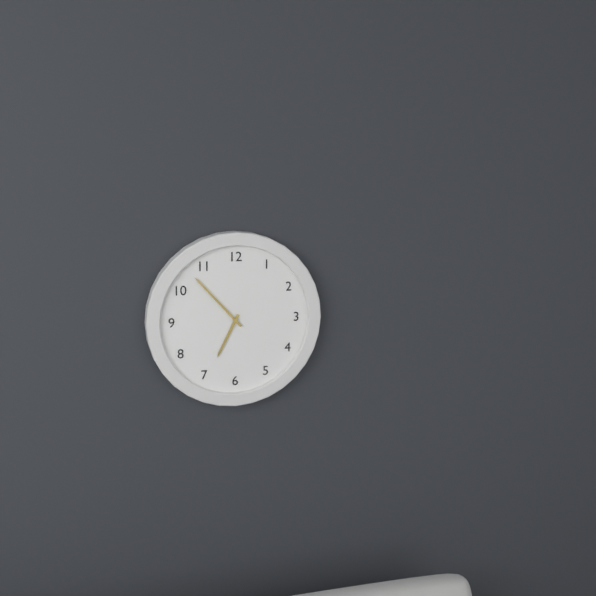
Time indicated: 6h53
